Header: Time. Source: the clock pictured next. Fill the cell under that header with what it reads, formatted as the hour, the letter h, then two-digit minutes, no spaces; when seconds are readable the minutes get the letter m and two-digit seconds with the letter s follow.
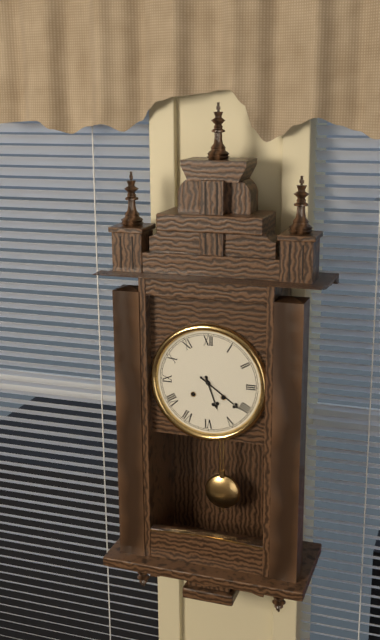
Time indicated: 5h21
